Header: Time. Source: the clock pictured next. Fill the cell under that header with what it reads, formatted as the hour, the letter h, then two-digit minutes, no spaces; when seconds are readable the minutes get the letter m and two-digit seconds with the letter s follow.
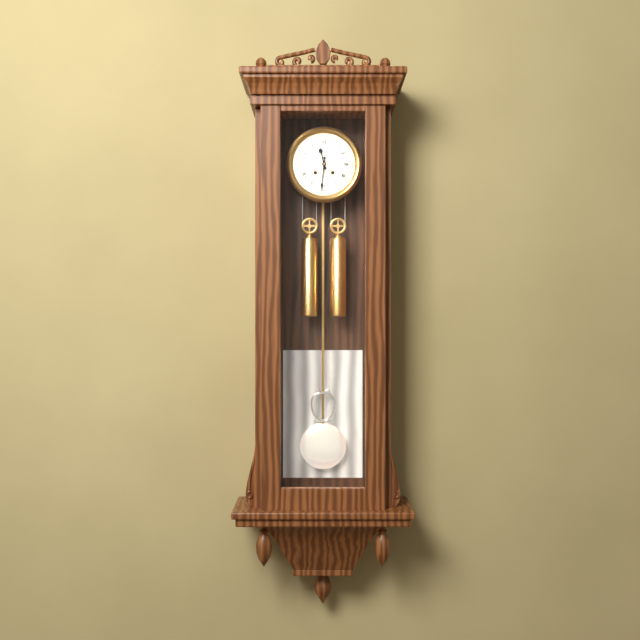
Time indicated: 11h31
